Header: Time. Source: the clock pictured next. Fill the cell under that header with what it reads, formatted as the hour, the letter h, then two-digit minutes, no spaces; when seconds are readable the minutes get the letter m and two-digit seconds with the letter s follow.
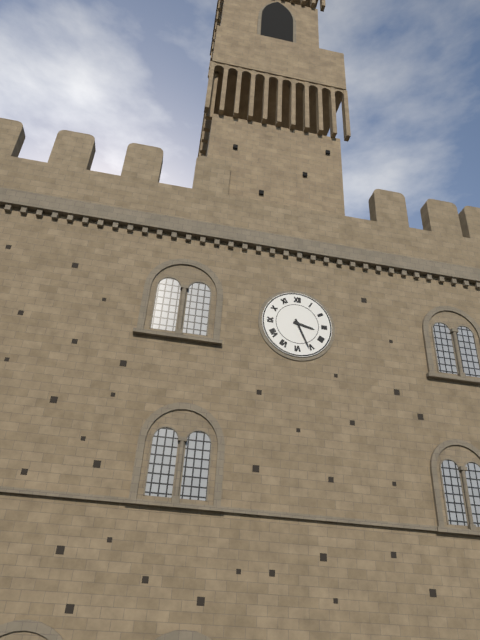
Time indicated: 3h26
